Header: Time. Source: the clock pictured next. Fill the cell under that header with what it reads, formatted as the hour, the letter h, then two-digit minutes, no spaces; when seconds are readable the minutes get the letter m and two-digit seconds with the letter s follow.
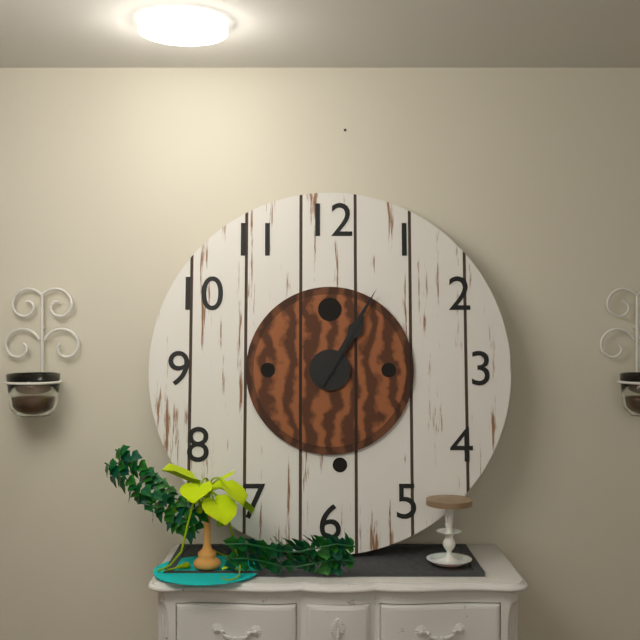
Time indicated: 1h05
